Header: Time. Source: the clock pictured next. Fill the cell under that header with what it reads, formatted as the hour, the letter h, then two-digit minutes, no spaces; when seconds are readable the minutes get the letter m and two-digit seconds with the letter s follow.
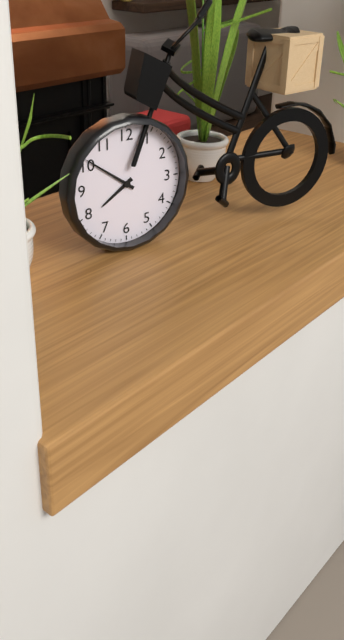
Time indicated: 7h51
